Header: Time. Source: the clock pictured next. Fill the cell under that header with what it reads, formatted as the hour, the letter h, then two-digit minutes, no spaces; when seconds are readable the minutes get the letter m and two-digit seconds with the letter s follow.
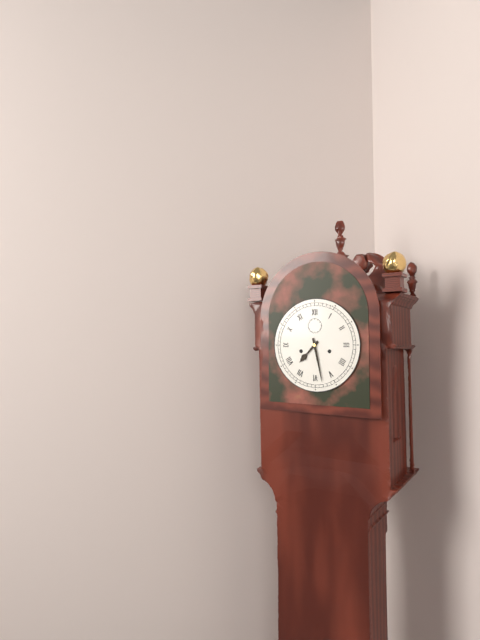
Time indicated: 7h28
